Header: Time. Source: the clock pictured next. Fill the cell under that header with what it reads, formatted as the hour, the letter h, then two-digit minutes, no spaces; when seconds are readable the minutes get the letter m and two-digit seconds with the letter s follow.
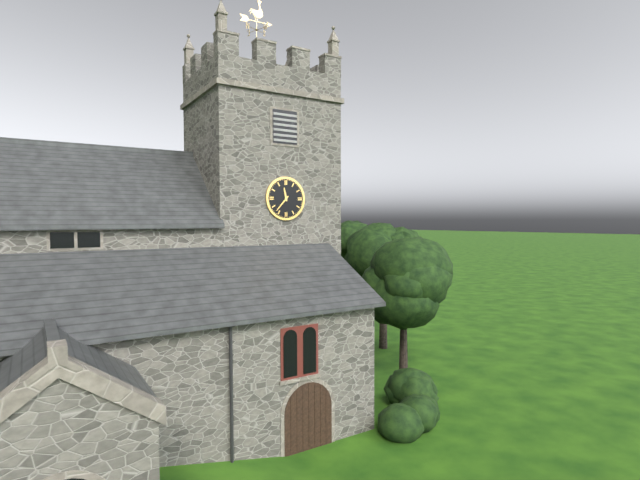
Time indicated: 11h37
